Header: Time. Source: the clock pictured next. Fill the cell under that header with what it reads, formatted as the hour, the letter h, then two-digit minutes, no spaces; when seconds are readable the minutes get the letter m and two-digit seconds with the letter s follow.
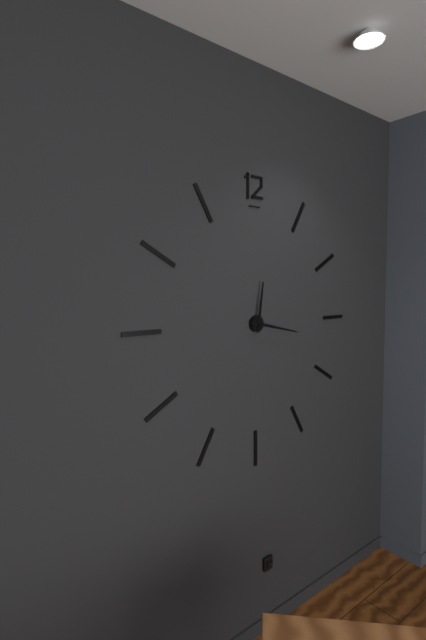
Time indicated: 12h17
